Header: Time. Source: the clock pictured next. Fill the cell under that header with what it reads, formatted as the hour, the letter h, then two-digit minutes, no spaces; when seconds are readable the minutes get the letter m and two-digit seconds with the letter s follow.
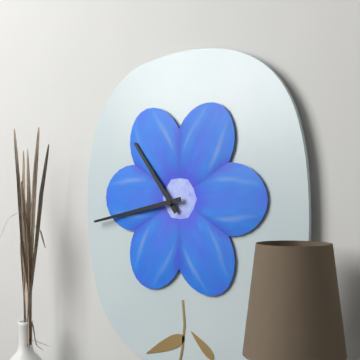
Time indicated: 10h43
